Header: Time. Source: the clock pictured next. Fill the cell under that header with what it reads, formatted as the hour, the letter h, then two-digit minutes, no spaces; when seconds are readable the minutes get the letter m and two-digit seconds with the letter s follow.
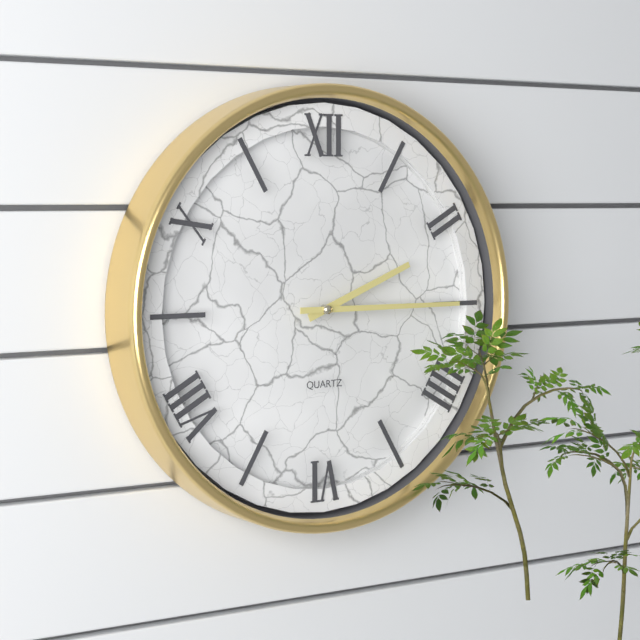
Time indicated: 2h15
